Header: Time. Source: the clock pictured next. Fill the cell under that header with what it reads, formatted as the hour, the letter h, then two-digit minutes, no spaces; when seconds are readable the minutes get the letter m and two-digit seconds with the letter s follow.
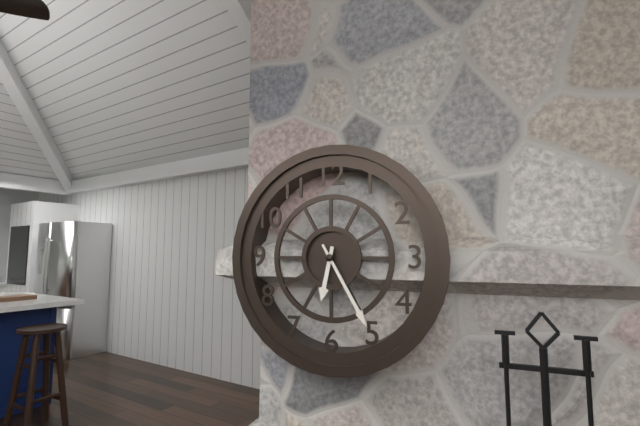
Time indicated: 6h25
